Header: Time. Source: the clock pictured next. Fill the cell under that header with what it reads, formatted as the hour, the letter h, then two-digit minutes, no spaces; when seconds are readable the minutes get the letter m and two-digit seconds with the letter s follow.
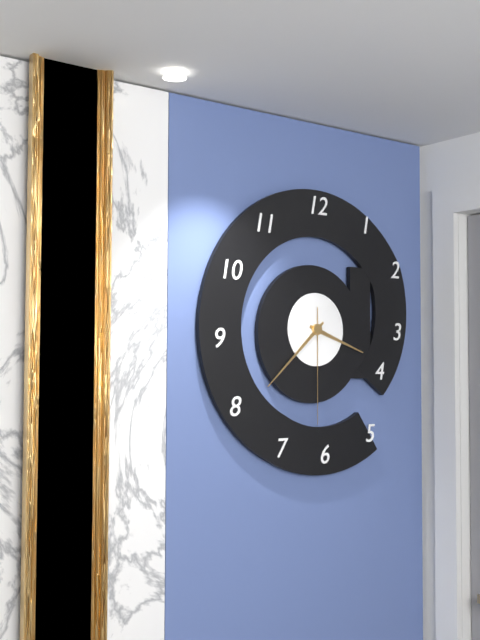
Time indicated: 3h38m30s
